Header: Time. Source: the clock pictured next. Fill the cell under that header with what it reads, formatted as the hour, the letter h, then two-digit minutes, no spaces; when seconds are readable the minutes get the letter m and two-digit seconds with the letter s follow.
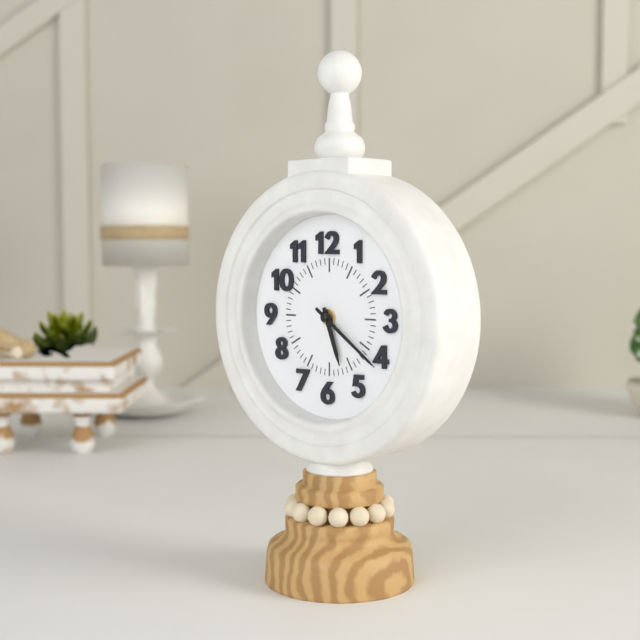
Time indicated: 5h21
